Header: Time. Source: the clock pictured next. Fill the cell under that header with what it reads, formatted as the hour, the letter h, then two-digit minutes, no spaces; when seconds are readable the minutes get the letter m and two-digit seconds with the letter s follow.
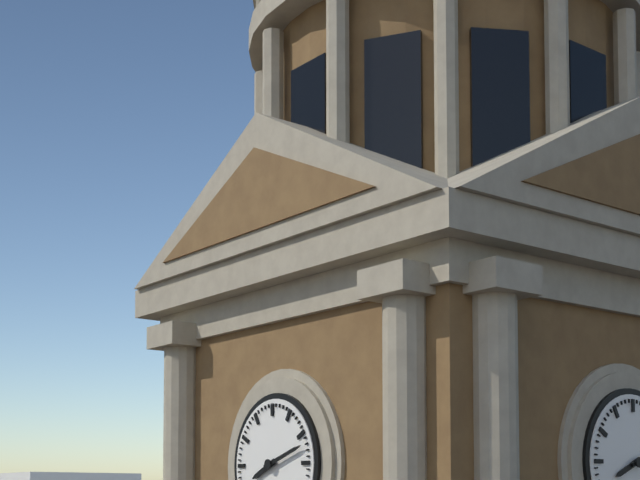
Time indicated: 8h12
